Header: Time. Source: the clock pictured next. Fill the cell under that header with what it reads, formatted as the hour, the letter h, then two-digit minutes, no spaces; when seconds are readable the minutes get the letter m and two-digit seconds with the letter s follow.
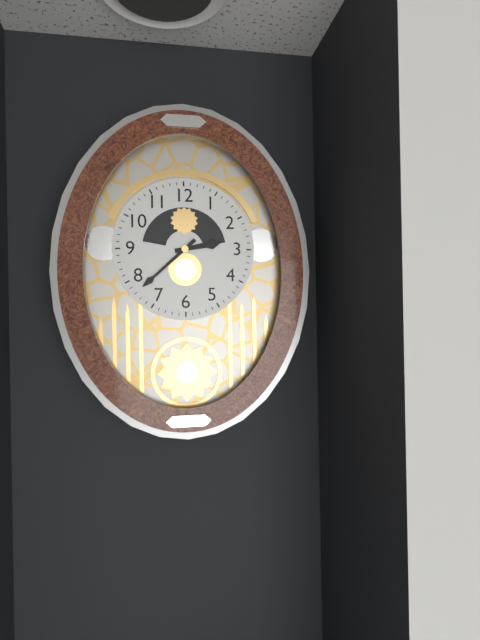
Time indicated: 2h38
